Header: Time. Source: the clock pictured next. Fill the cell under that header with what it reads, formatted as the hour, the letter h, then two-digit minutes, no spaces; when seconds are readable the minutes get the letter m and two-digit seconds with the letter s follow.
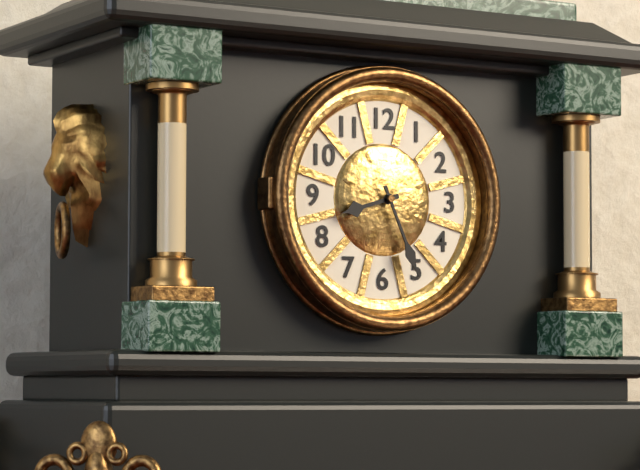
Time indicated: 8h26
